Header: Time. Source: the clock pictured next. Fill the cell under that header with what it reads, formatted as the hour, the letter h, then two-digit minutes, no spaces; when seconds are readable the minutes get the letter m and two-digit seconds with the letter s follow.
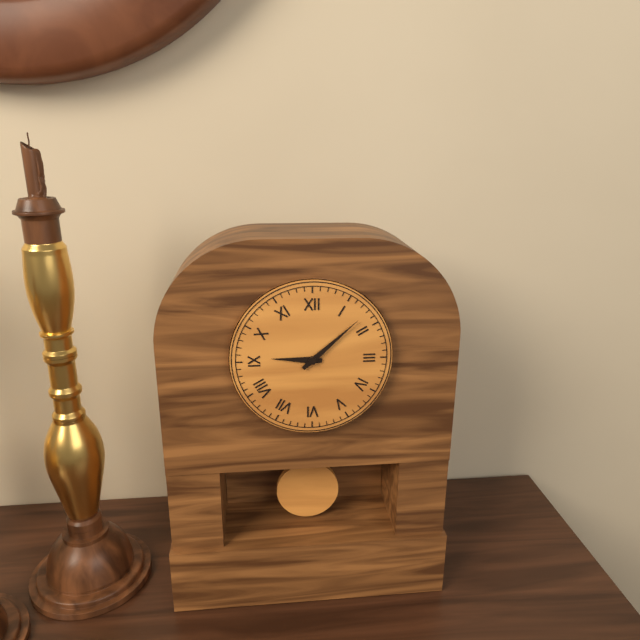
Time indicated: 9h08
